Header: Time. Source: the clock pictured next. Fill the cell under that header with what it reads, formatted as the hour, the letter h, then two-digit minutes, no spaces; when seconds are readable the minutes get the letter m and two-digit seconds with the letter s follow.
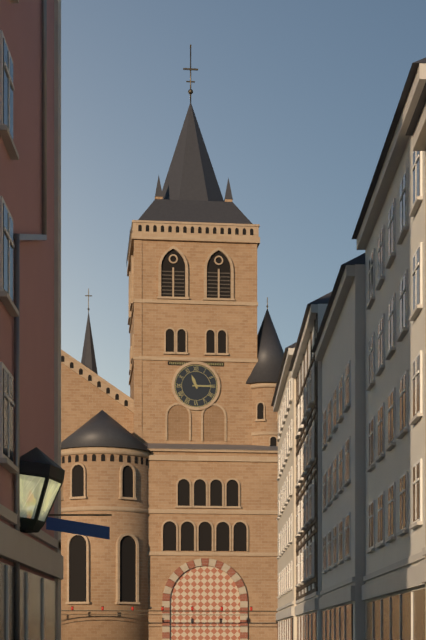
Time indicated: 11h15
